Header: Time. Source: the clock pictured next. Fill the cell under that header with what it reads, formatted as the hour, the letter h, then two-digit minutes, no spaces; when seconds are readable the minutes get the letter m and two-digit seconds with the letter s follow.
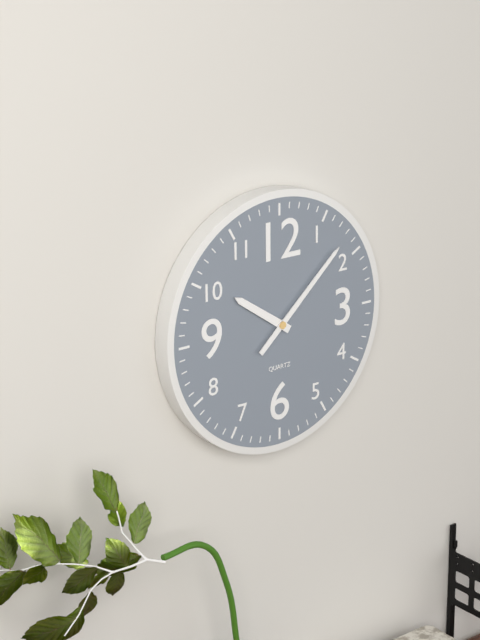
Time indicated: 10h08
